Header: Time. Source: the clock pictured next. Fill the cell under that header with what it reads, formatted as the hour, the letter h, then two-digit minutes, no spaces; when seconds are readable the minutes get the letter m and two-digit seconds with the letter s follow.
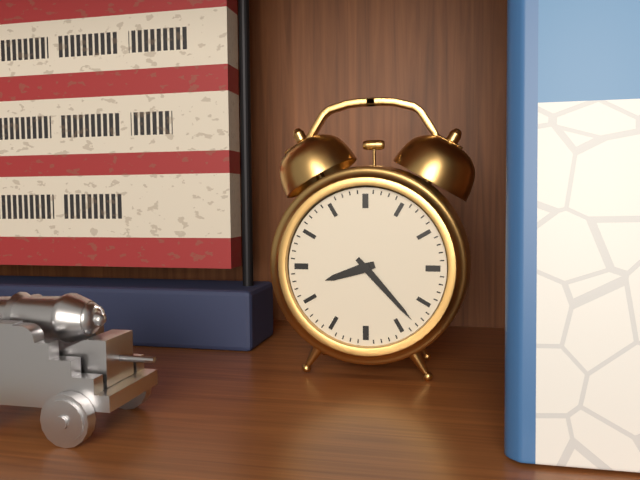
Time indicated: 8h23
